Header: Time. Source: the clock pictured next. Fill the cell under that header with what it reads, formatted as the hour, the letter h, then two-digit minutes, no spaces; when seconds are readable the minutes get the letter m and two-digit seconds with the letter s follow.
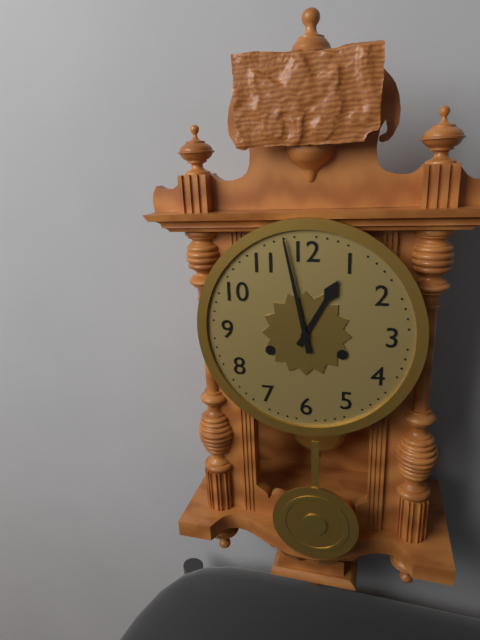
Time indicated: 12h58
